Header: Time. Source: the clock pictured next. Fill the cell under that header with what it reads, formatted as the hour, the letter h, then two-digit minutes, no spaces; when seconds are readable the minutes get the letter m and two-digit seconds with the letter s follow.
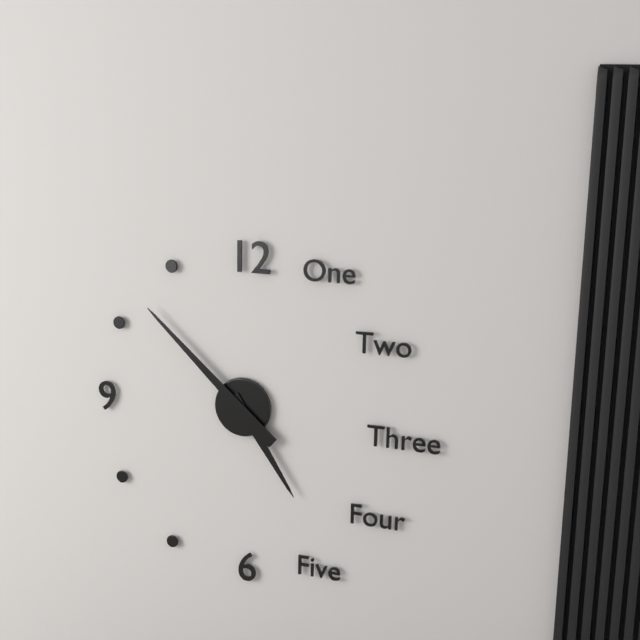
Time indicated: 4h52
